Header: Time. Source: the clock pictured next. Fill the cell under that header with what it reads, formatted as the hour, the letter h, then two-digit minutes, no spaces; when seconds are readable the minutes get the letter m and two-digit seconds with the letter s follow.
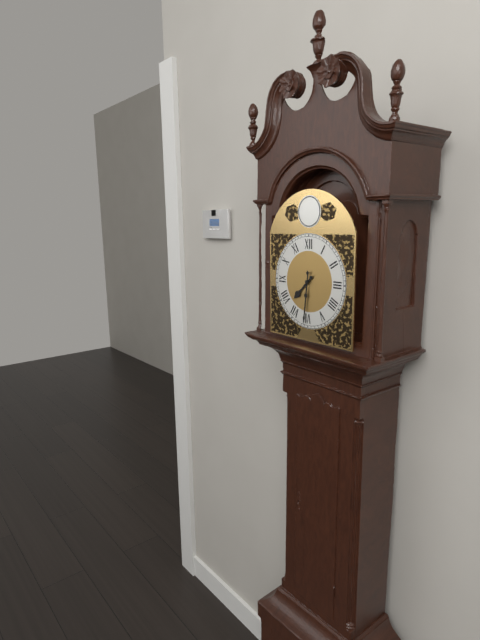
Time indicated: 7h31
